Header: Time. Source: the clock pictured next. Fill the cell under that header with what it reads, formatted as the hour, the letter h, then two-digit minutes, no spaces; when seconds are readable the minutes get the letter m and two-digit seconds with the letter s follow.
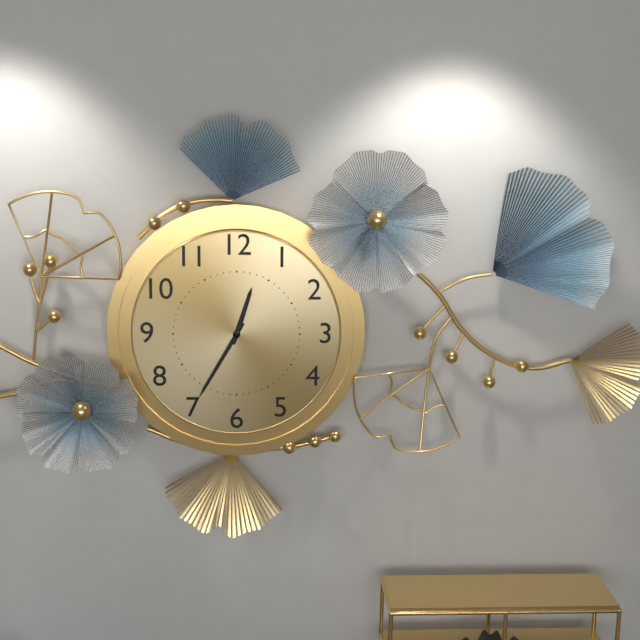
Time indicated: 12h35
